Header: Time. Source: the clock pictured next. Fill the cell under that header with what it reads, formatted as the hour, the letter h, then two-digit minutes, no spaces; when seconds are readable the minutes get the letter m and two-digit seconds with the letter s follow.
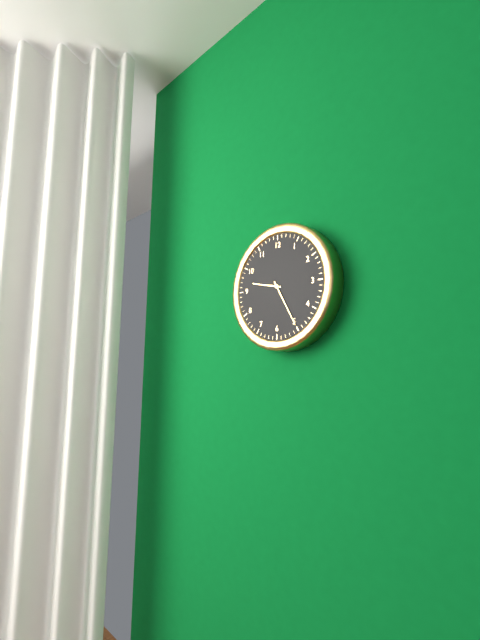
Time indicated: 9h25
